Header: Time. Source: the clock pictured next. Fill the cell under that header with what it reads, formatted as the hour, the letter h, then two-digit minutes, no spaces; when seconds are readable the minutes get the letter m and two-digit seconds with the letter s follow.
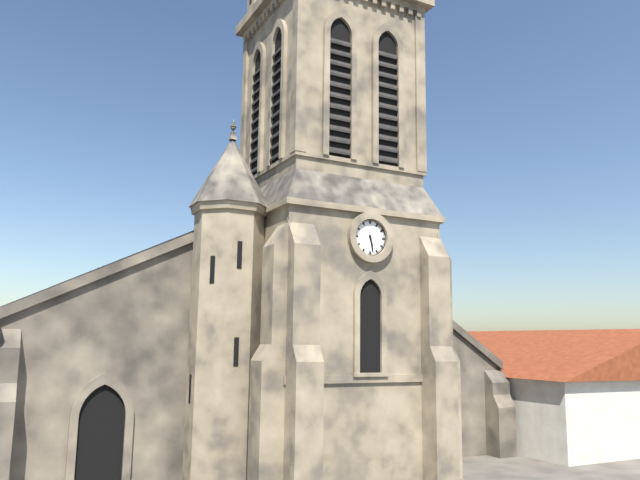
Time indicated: 5h28
